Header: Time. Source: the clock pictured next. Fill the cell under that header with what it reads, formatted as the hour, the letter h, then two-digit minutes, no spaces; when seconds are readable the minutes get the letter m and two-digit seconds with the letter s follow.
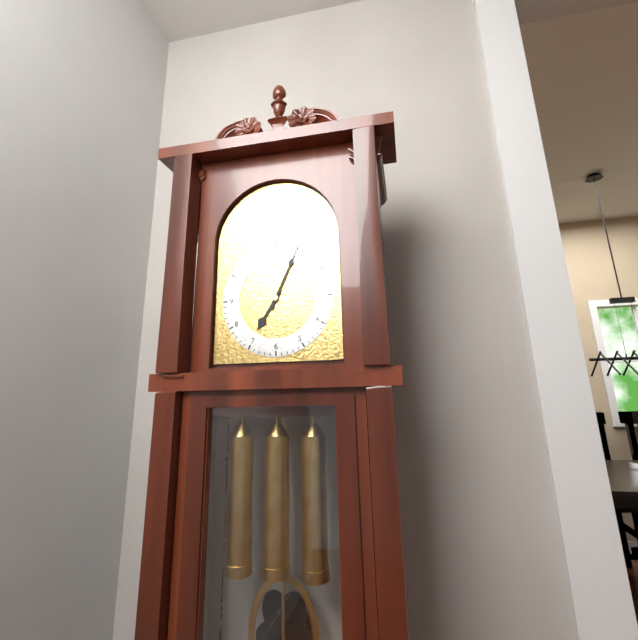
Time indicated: 7h04
